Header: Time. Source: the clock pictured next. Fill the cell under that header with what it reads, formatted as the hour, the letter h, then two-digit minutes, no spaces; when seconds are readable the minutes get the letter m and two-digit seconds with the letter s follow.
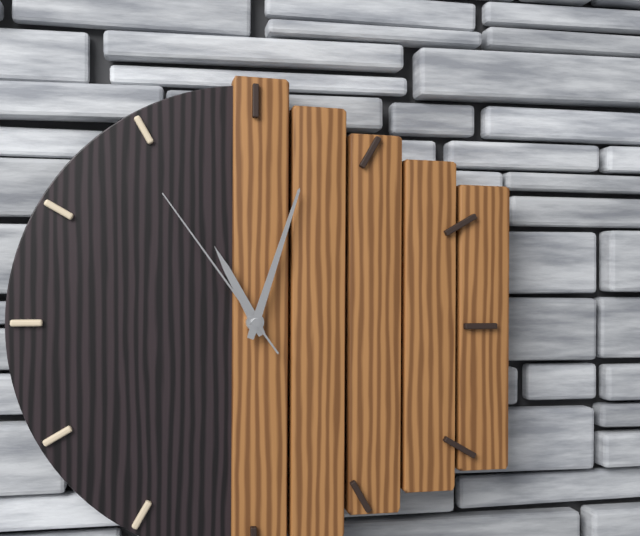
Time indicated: 11h03m54s
